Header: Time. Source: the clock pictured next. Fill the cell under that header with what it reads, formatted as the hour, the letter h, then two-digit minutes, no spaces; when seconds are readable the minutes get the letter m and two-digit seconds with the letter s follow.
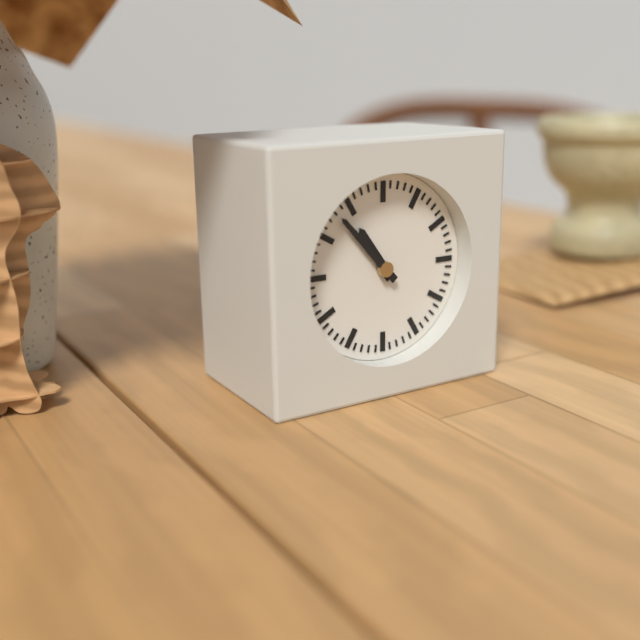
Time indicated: 10h53
